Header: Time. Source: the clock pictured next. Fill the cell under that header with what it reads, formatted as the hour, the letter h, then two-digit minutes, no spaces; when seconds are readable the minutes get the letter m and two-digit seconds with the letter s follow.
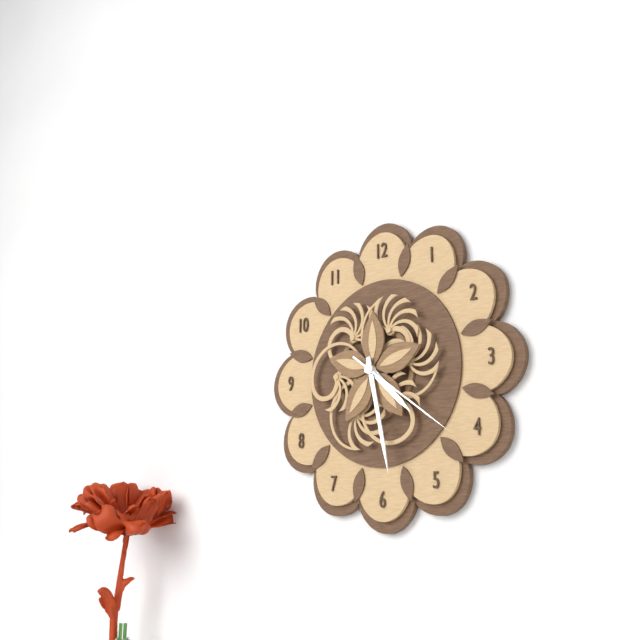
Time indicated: 4h28m21s
